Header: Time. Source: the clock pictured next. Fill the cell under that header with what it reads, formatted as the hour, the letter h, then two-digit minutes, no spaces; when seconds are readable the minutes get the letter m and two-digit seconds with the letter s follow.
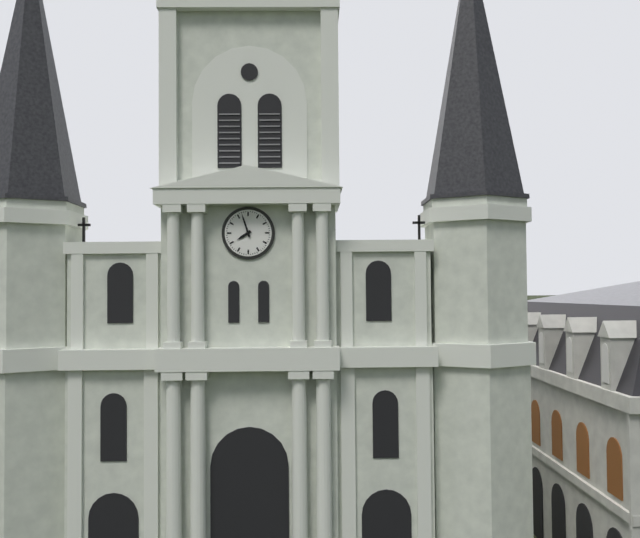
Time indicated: 7h57
